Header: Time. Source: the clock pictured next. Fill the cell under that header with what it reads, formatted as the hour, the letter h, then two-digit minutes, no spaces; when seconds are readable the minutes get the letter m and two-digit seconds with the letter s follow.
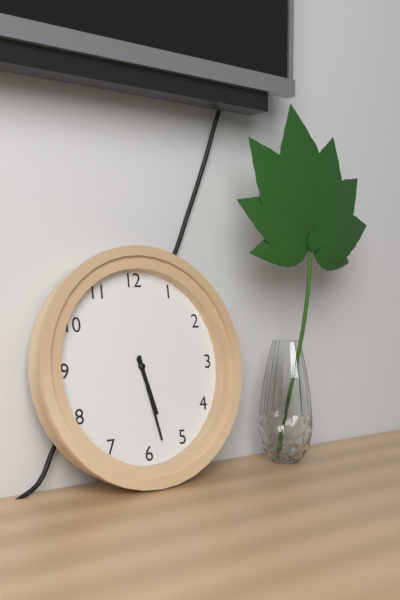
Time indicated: 5h28
